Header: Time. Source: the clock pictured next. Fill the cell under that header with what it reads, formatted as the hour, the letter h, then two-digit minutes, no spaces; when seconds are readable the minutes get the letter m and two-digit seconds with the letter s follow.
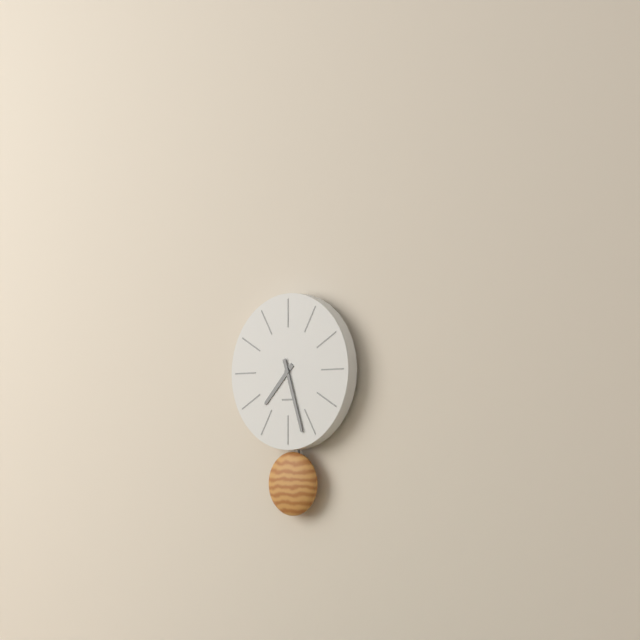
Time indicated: 7h27
